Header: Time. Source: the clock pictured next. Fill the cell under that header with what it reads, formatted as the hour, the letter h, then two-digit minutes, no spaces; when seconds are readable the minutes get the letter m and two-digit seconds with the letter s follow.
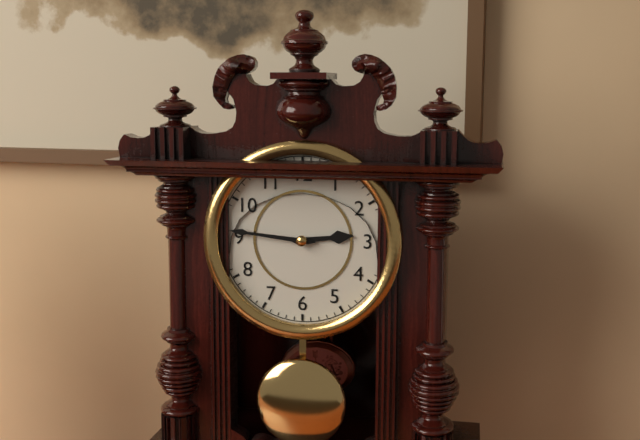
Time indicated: 2h46
